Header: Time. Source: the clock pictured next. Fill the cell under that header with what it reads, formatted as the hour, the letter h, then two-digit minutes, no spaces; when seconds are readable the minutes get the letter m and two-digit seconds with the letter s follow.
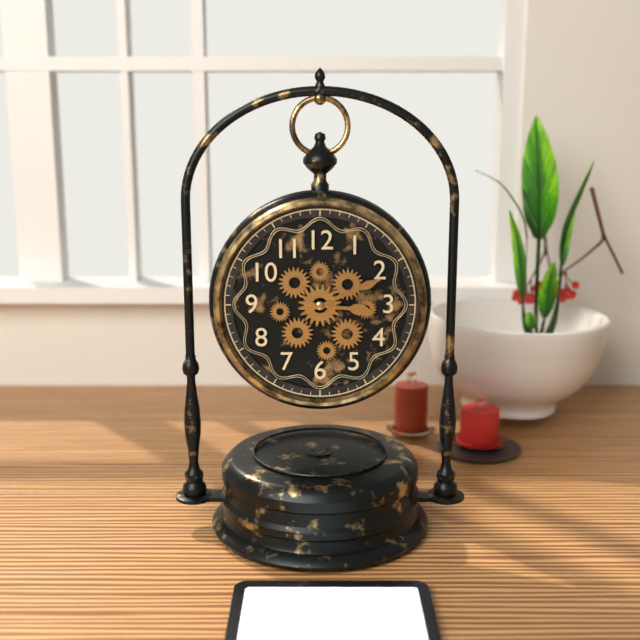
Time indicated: 3h11
